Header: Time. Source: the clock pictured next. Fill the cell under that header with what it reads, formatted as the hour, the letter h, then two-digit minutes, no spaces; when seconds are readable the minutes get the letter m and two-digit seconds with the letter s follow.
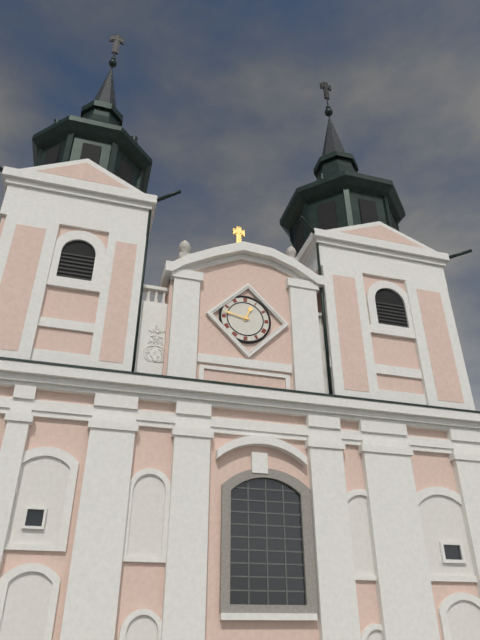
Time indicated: 12h47
